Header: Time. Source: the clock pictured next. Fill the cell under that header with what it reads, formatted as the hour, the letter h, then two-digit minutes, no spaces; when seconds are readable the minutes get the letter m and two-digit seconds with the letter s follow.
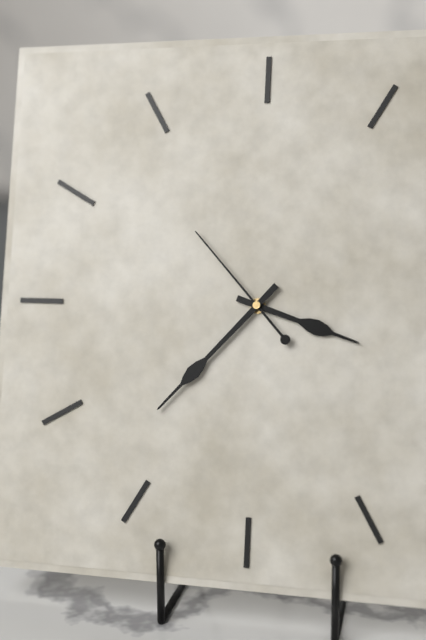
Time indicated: 3h37m53s
